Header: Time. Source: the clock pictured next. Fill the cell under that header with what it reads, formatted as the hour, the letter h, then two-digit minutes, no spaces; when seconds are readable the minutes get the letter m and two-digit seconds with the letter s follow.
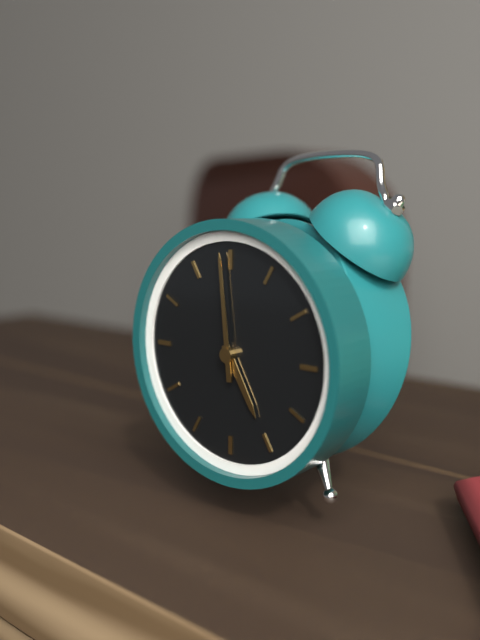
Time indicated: 4h59
